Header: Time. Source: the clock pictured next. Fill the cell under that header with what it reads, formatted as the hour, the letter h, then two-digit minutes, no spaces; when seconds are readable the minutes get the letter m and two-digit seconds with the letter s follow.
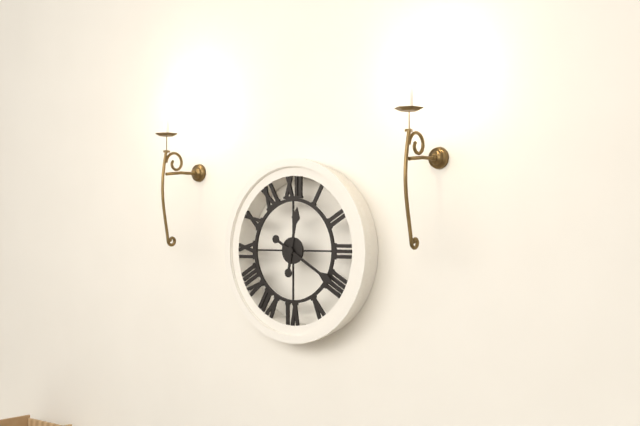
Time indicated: 12h20
